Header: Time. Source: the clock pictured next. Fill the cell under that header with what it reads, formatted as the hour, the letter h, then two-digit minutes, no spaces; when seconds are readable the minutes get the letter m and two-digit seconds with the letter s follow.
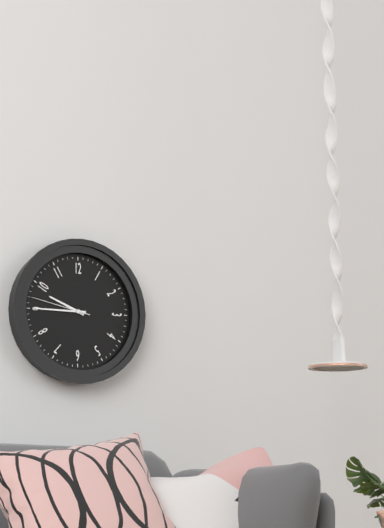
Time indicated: 9h45m47s
